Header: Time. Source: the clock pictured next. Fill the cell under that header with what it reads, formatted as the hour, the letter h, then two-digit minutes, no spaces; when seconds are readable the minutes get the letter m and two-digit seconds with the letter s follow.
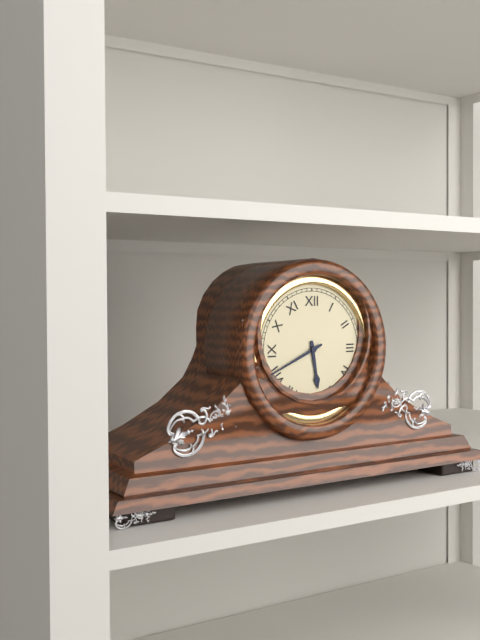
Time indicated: 5h41
